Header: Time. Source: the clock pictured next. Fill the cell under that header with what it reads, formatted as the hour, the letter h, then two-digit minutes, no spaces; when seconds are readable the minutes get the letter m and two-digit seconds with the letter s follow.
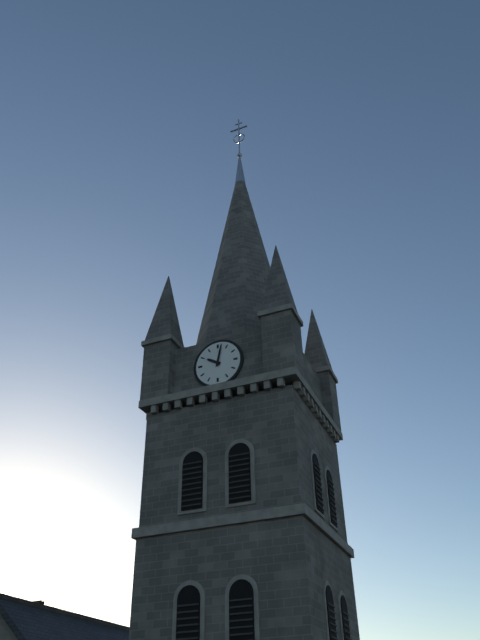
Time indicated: 10h02
